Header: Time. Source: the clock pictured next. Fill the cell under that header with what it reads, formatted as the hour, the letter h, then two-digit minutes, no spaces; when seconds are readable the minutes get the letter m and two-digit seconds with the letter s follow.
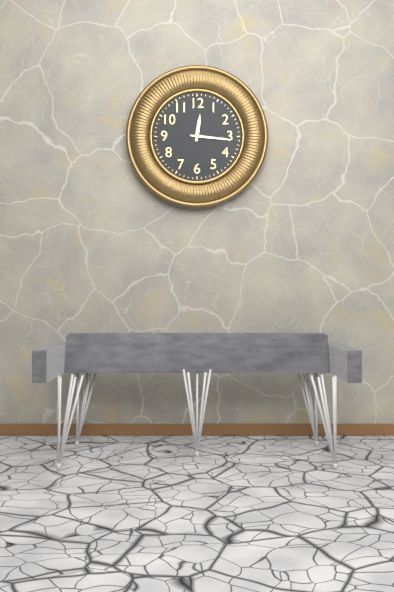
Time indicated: 12h16
